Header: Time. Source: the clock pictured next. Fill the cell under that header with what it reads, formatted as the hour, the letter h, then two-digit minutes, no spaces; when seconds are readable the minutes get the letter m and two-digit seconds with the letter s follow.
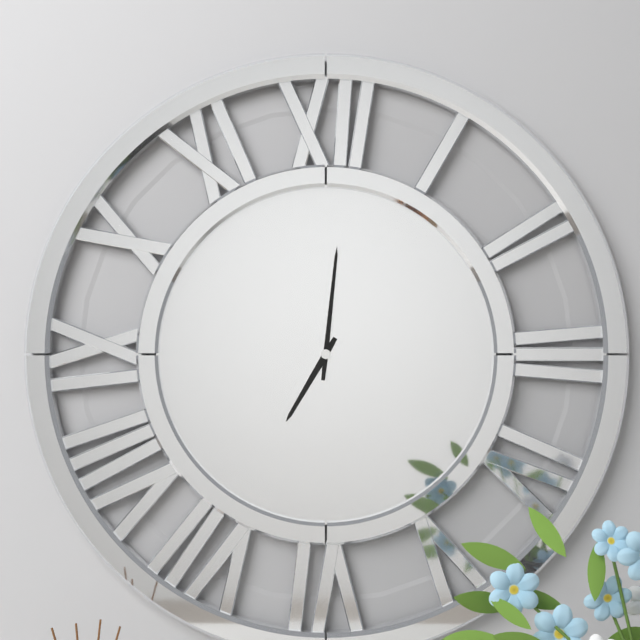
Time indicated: 7h01
